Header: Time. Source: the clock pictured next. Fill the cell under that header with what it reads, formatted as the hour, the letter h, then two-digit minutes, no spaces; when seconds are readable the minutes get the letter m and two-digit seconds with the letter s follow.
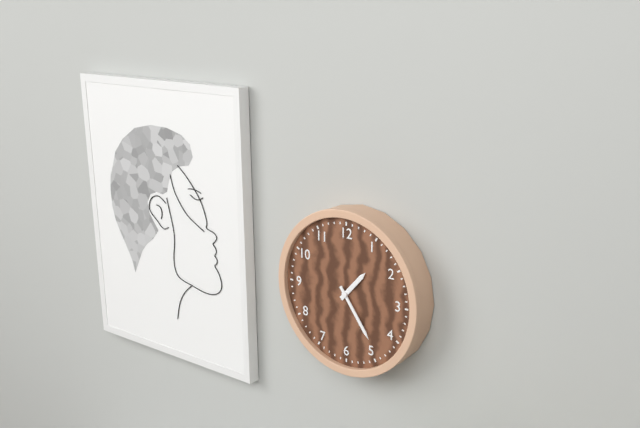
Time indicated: 1h24
